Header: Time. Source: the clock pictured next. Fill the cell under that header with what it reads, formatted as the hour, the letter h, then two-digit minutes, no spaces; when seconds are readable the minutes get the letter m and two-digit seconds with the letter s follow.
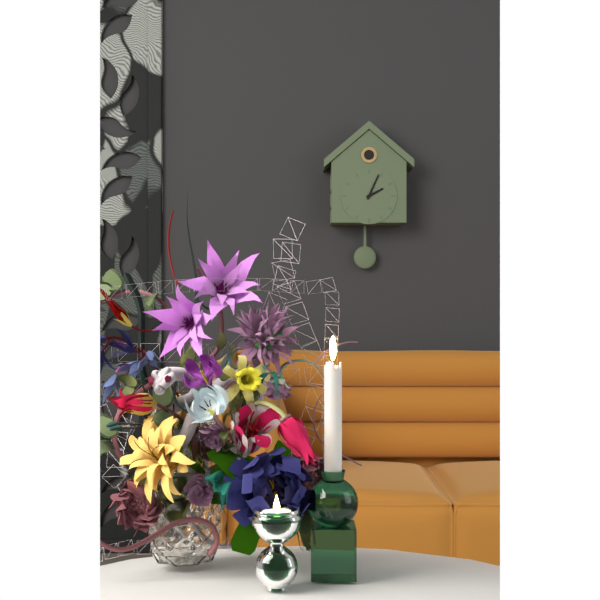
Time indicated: 2h04
